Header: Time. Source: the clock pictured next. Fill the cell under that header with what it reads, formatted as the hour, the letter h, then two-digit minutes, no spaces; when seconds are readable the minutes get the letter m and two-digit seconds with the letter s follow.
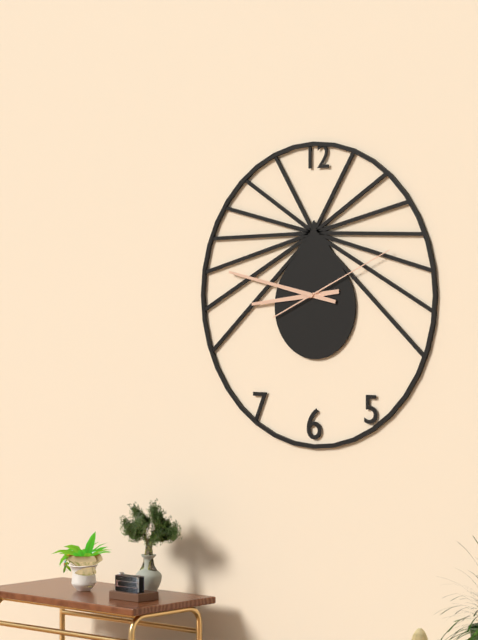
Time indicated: 8h47m11s
